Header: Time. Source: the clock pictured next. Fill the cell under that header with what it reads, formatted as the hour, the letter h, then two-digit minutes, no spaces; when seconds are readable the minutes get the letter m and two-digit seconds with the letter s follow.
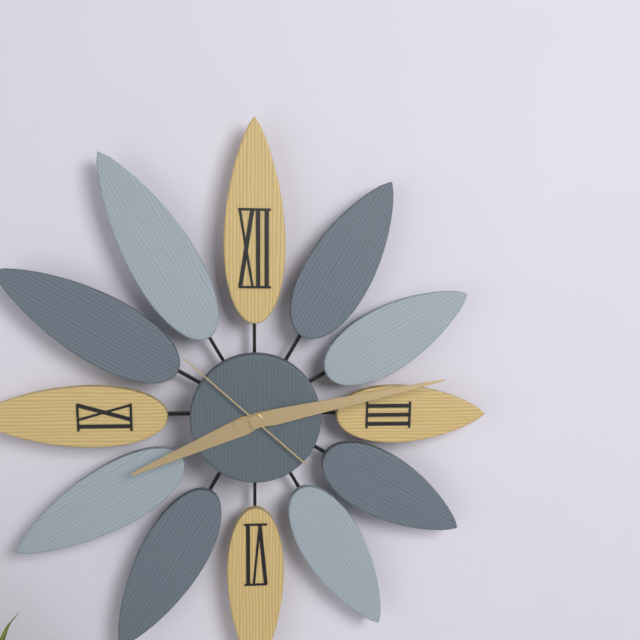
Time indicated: 8h13m52s
